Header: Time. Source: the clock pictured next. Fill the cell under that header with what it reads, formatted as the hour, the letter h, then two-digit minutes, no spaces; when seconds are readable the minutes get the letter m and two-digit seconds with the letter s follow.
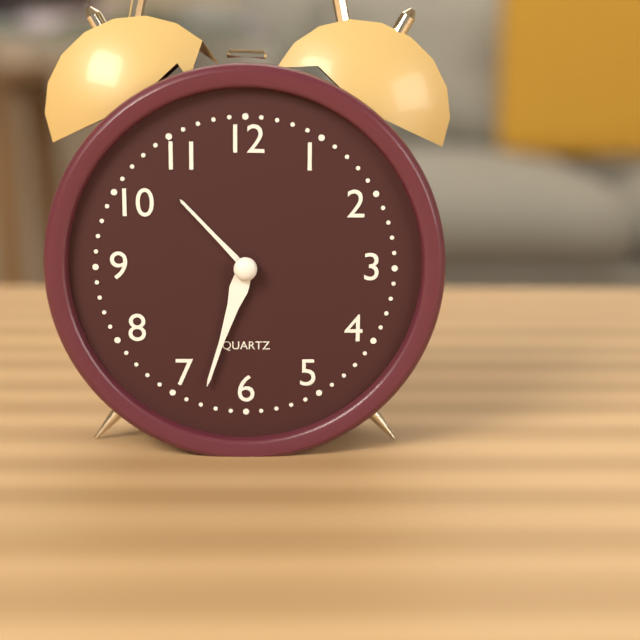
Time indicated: 10h33
